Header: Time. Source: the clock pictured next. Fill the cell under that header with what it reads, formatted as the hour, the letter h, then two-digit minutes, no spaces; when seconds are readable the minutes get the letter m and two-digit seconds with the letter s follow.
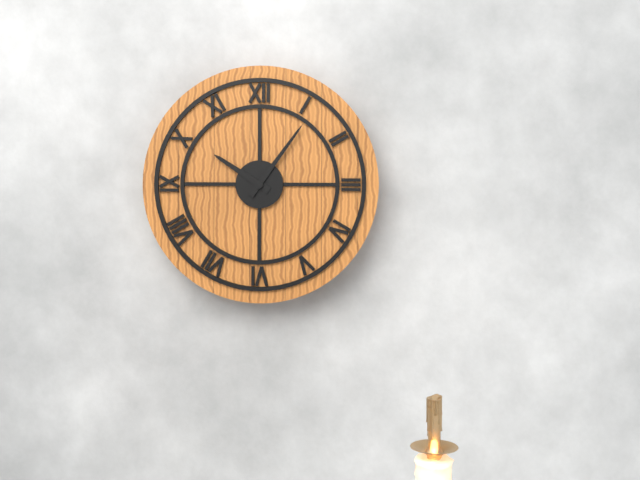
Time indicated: 10h06
